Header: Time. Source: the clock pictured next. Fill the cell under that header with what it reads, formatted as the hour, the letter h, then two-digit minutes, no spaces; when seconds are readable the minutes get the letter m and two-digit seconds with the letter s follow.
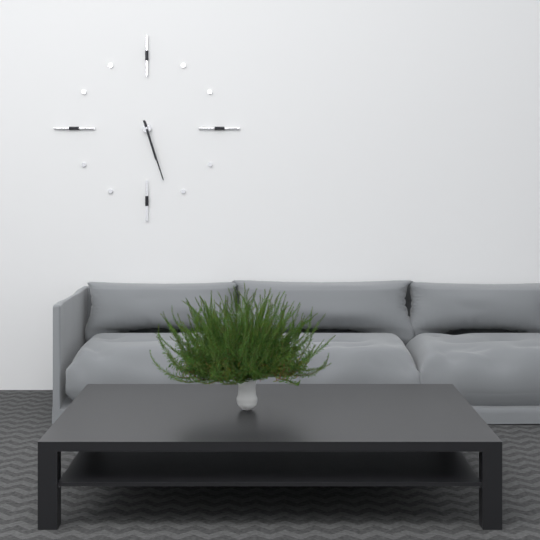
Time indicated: 5h27
